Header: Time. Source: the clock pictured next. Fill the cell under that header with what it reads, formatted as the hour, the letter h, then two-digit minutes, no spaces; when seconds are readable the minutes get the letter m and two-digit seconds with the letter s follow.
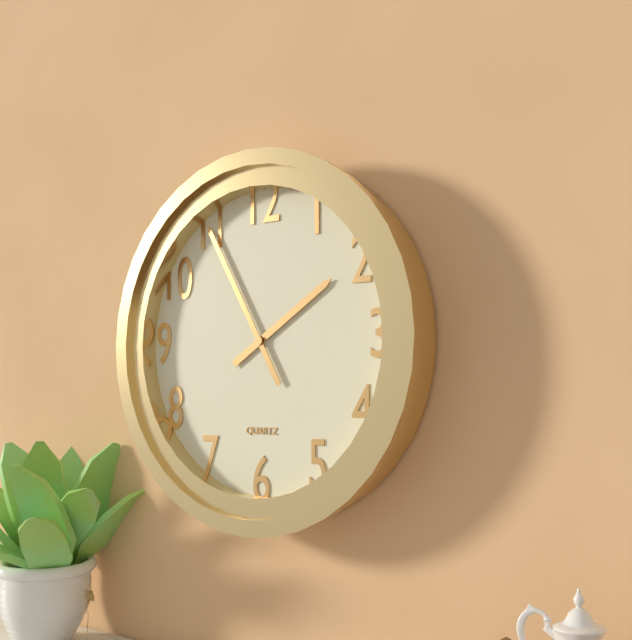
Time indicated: 1h55
